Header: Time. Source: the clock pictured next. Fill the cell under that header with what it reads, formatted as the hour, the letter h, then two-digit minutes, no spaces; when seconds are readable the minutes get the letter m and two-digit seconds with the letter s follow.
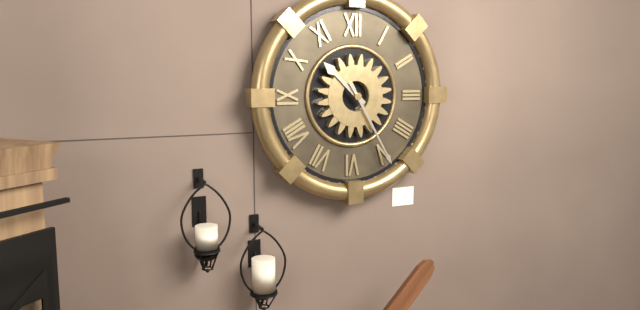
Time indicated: 10h25
